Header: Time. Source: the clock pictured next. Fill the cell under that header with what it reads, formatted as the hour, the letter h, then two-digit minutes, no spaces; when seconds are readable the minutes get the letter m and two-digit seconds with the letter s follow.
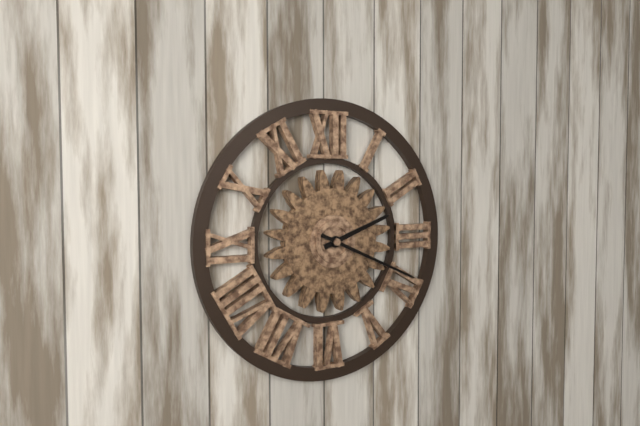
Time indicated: 2h19
